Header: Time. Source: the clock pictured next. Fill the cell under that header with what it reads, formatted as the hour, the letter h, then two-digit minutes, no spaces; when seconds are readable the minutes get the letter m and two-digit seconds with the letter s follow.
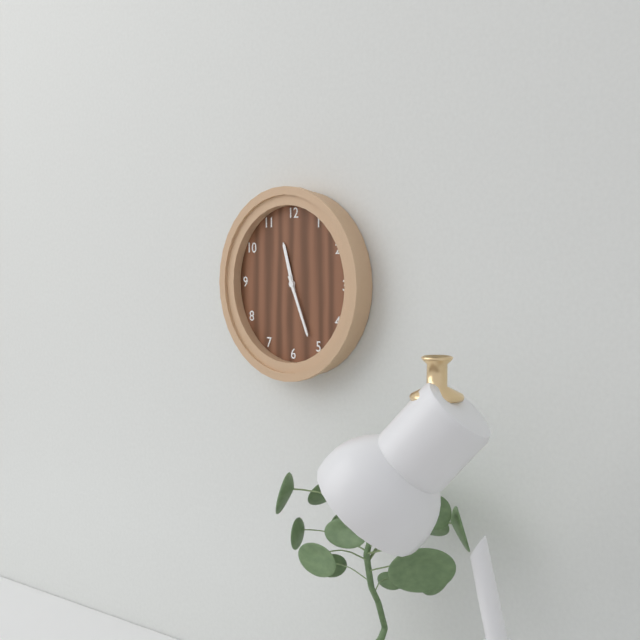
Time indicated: 11h26
